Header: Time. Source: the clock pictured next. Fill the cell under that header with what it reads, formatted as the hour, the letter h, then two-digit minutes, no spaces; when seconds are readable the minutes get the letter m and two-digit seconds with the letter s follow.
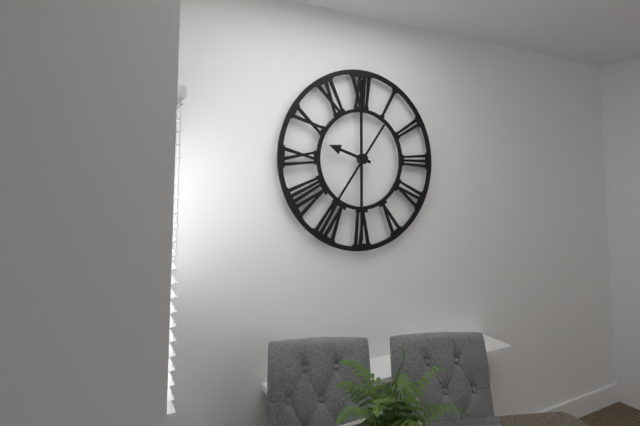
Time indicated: 9h36
